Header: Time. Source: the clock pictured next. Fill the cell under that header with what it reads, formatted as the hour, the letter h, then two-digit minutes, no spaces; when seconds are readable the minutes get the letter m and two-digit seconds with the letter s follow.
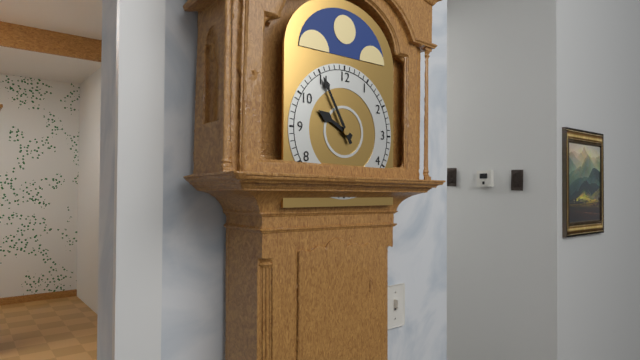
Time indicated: 9h55
